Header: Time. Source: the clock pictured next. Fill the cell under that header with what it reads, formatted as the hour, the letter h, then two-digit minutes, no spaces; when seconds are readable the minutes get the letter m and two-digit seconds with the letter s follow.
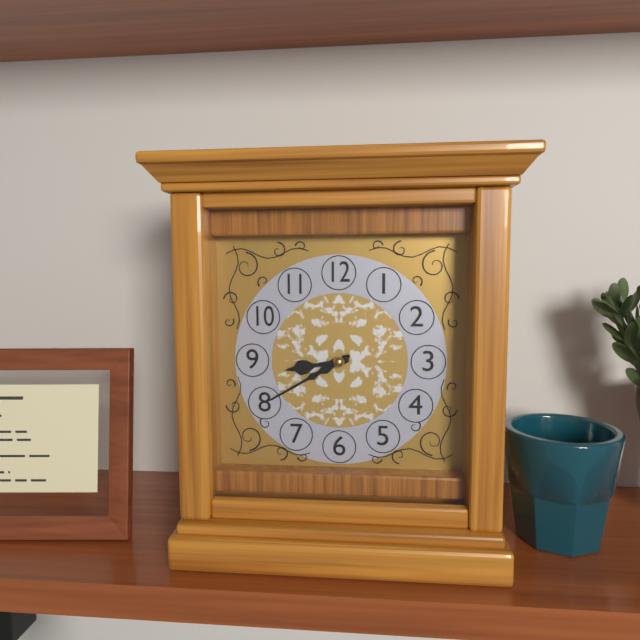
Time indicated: 8h40
